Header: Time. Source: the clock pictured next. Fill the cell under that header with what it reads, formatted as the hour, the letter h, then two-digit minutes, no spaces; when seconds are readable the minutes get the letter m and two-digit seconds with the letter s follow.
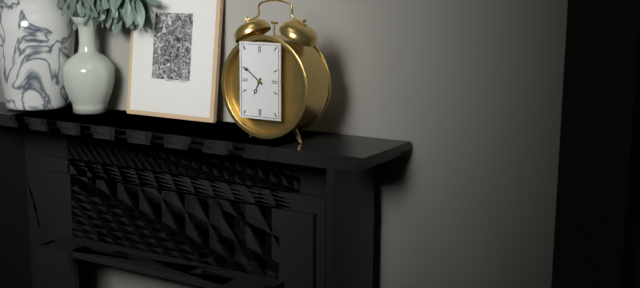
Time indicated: 6h51
